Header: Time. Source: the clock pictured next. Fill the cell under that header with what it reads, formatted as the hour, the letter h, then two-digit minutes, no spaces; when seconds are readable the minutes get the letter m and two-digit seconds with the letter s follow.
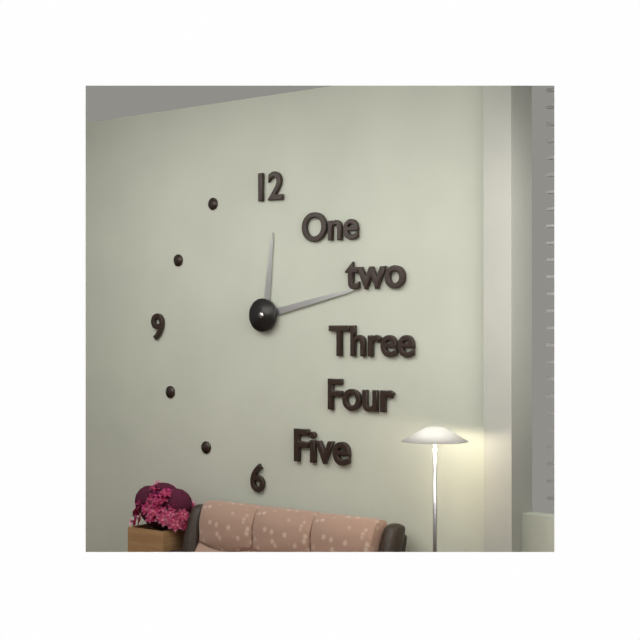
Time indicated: 12h13
